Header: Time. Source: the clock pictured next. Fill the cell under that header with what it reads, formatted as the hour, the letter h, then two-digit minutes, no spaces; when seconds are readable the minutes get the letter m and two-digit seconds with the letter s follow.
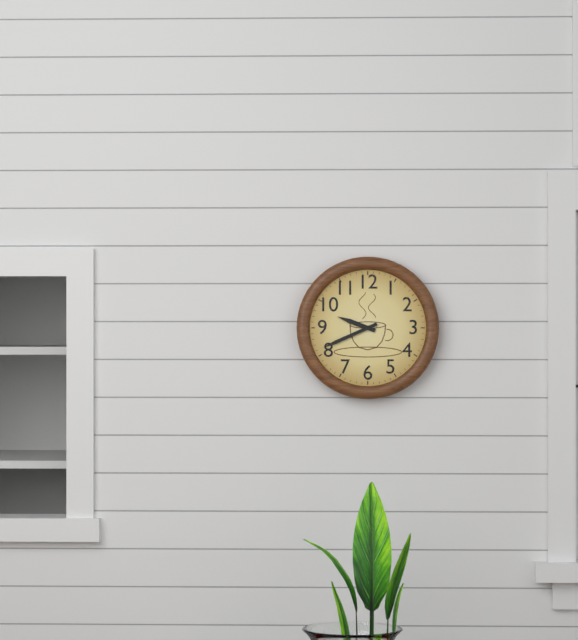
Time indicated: 9h41
